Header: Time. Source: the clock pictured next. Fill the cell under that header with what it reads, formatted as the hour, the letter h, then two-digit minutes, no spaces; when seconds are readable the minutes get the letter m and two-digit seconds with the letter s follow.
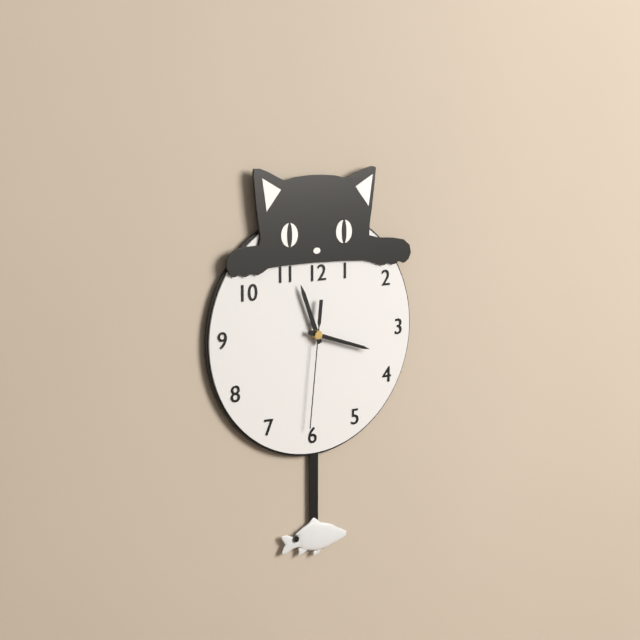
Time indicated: 11h18m31s
